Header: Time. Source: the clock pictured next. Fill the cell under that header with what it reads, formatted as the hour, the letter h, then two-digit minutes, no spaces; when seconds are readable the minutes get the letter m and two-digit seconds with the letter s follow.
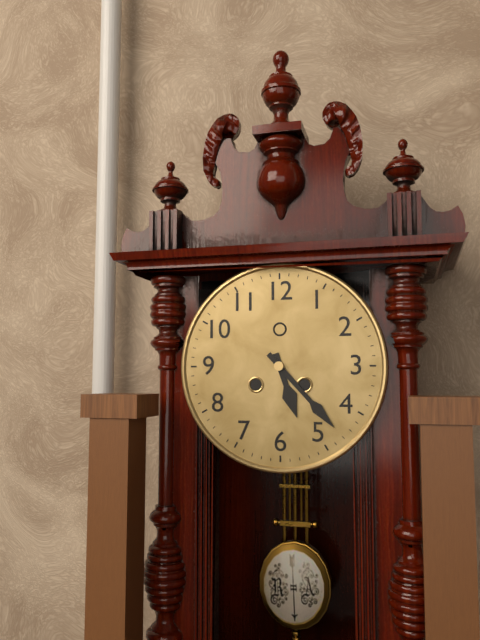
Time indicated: 5h23
